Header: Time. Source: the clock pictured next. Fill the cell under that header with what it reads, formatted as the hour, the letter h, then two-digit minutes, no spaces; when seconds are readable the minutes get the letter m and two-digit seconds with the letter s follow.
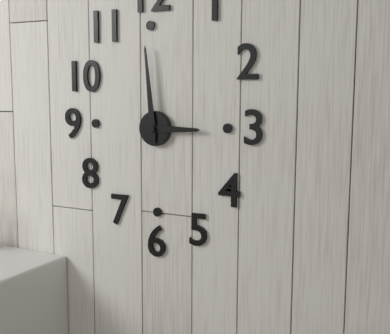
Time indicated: 2h59
